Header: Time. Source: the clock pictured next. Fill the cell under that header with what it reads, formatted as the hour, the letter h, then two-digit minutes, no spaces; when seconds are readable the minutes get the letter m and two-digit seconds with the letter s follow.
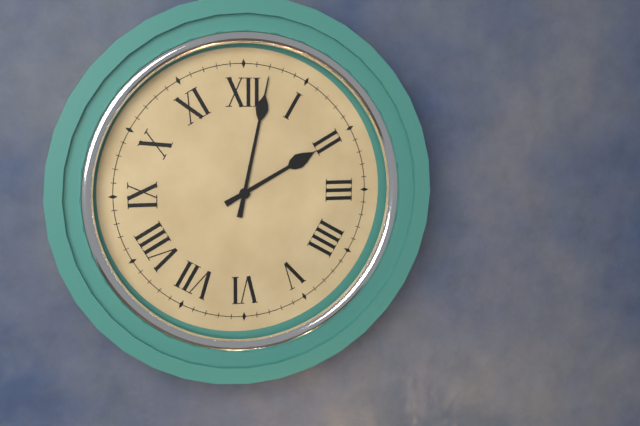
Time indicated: 2h02
